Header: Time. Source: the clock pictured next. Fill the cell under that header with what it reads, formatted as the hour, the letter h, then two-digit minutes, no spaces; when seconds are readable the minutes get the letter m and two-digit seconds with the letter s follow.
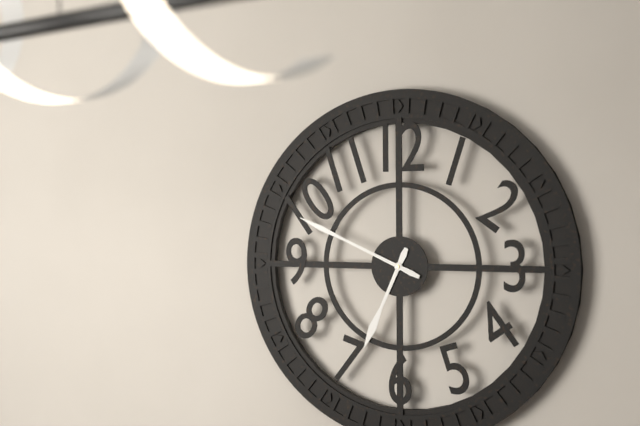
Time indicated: 6h49
